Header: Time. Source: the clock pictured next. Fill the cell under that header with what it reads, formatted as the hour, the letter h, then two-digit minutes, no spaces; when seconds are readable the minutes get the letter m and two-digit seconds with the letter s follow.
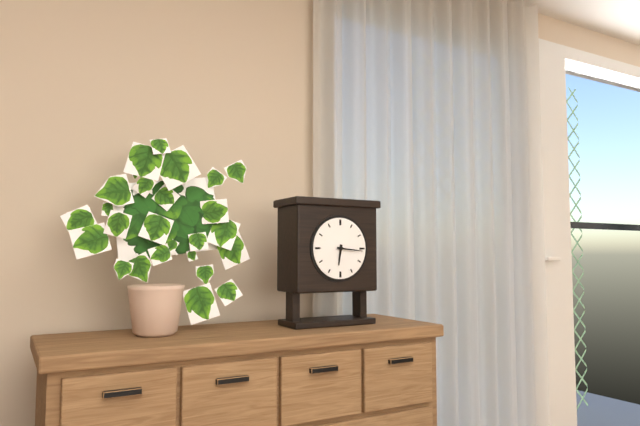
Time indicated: 6h16
